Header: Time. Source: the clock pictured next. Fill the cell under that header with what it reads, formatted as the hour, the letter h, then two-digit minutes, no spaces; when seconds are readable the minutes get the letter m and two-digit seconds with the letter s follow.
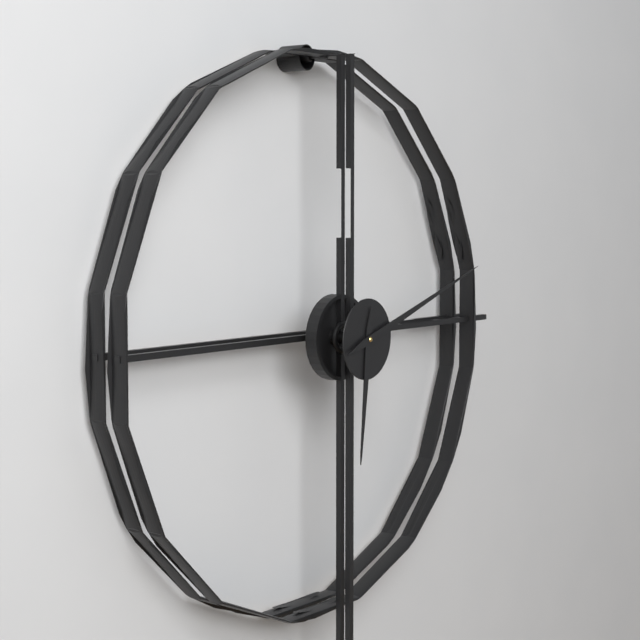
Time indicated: 6h12
